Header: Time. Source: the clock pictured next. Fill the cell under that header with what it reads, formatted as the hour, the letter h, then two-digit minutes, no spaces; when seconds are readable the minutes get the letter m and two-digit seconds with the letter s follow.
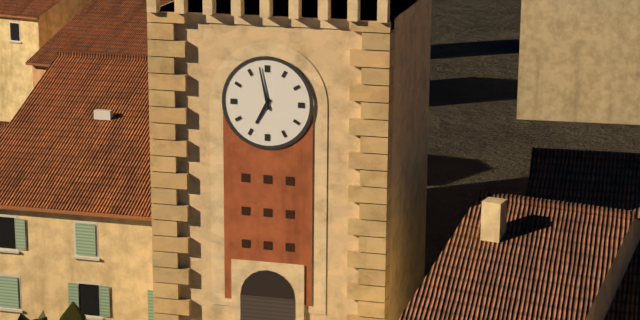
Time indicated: 6h58
